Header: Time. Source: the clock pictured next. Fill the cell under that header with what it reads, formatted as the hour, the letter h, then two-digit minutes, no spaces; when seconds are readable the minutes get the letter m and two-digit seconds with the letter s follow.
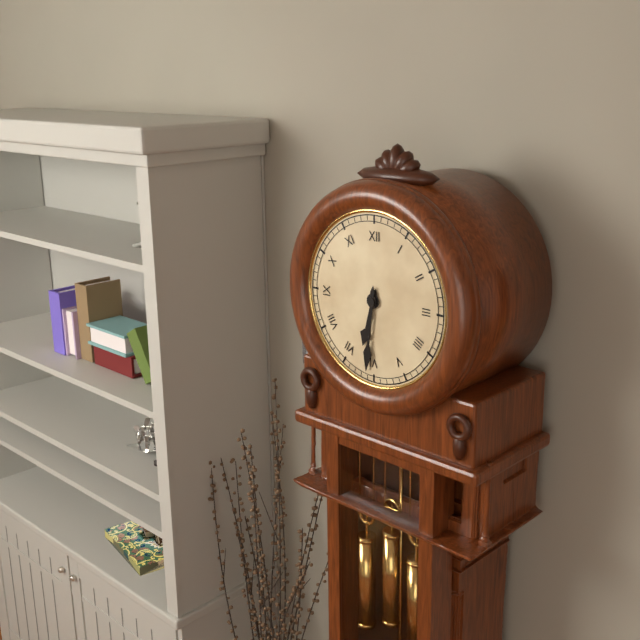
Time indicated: 6h31
